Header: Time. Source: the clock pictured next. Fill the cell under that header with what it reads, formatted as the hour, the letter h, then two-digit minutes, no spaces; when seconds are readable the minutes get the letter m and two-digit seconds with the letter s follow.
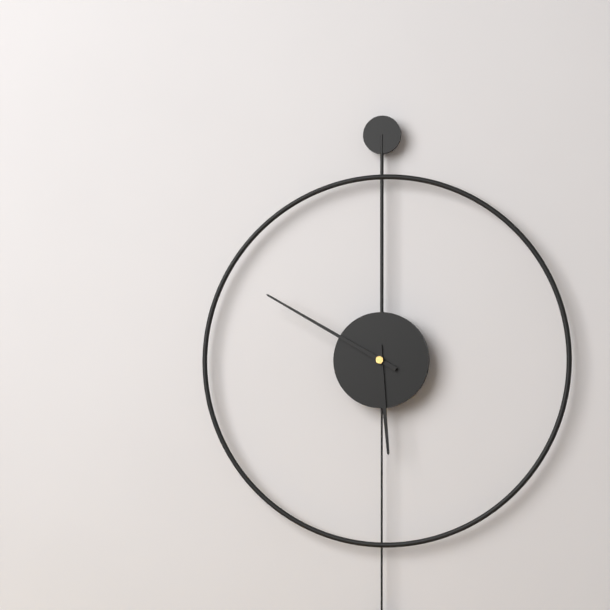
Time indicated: 5h50
